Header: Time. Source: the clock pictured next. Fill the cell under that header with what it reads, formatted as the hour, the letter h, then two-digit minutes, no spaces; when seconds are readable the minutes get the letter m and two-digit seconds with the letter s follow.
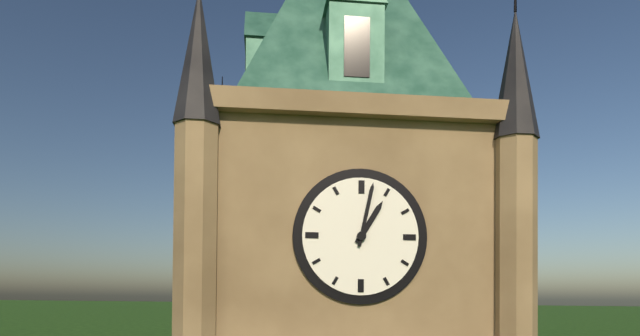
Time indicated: 1h02
